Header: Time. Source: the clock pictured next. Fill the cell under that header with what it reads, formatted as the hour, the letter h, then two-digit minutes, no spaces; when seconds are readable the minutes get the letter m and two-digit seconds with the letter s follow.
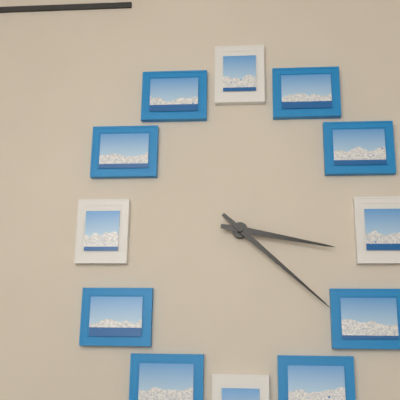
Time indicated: 3h22
